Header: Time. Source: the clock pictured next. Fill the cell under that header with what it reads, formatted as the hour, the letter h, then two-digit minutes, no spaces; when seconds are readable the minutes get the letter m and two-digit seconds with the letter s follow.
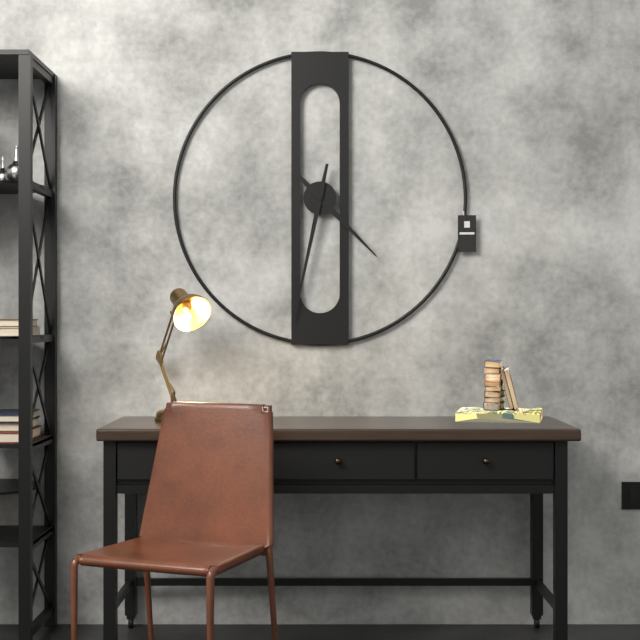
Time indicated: 4h32
